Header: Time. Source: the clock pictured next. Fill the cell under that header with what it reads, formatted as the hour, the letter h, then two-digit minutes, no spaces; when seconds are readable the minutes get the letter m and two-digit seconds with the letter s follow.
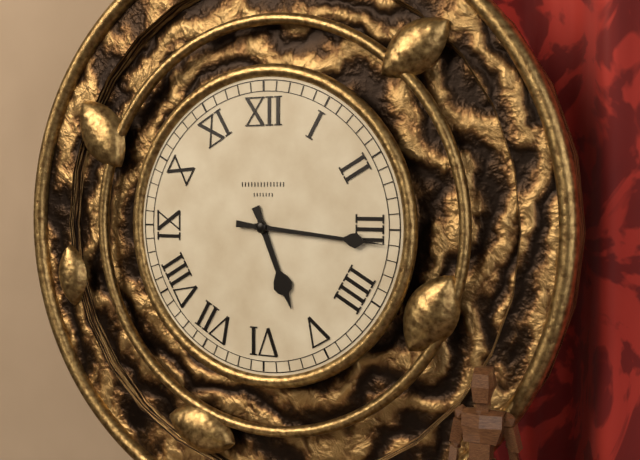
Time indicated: 5h16
